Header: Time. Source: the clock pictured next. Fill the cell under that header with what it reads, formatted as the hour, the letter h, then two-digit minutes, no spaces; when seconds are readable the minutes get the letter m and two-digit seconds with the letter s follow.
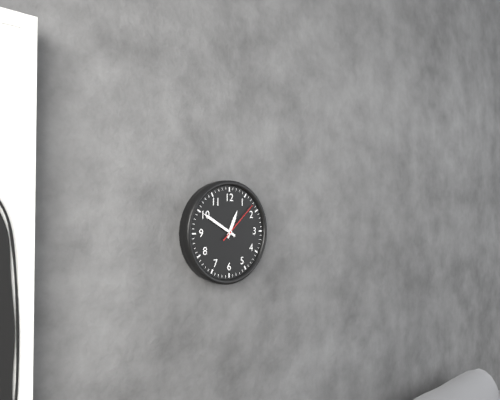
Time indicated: 12h50
